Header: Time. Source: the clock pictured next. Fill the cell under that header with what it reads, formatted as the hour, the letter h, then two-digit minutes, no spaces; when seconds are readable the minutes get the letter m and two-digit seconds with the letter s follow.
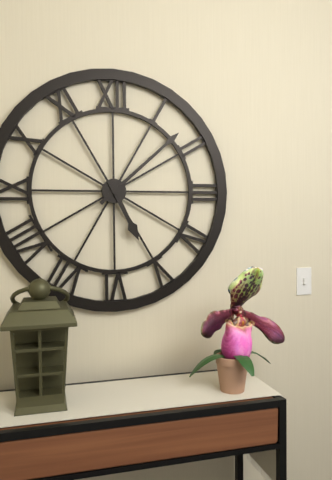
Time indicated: 5h08
